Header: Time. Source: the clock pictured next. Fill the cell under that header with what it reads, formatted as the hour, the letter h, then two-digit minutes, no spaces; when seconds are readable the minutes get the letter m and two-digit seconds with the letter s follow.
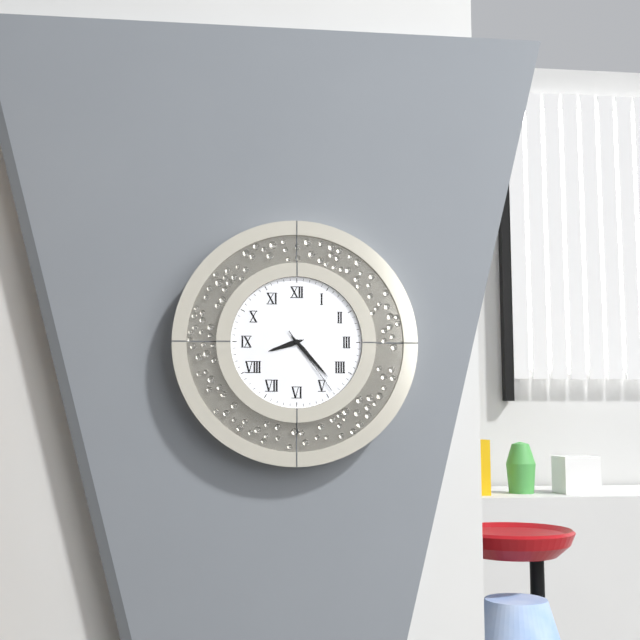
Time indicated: 8h23m24s
